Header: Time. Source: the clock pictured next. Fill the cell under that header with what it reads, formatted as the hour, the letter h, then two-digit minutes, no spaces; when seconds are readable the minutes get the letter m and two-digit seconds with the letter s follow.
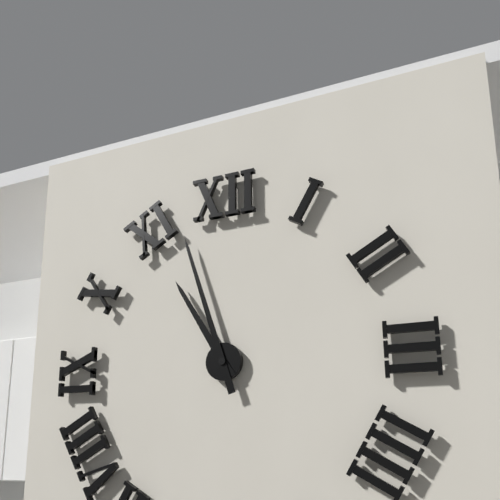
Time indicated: 10h57
